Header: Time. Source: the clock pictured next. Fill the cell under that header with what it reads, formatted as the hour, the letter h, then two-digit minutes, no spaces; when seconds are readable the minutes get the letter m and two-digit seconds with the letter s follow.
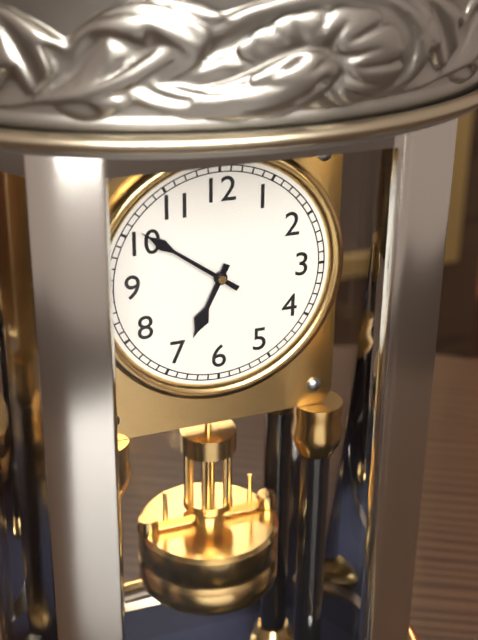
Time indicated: 6h51
